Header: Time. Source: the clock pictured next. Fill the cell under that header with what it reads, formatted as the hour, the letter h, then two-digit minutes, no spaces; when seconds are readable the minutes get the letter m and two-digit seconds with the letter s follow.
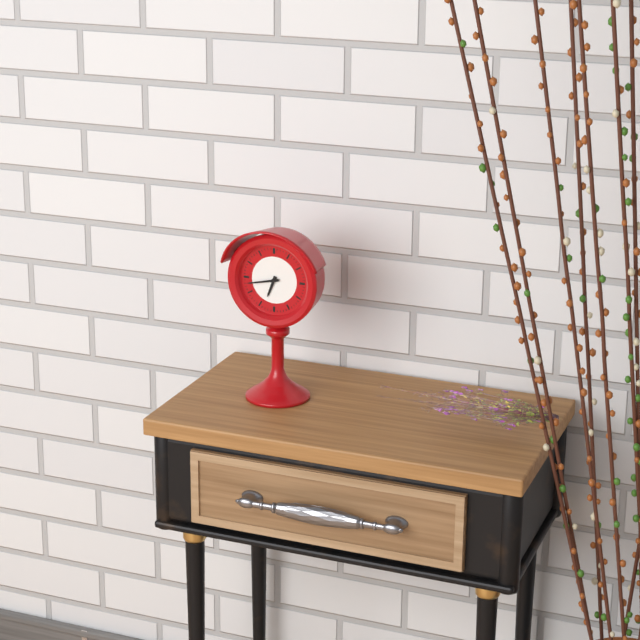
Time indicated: 6h43
